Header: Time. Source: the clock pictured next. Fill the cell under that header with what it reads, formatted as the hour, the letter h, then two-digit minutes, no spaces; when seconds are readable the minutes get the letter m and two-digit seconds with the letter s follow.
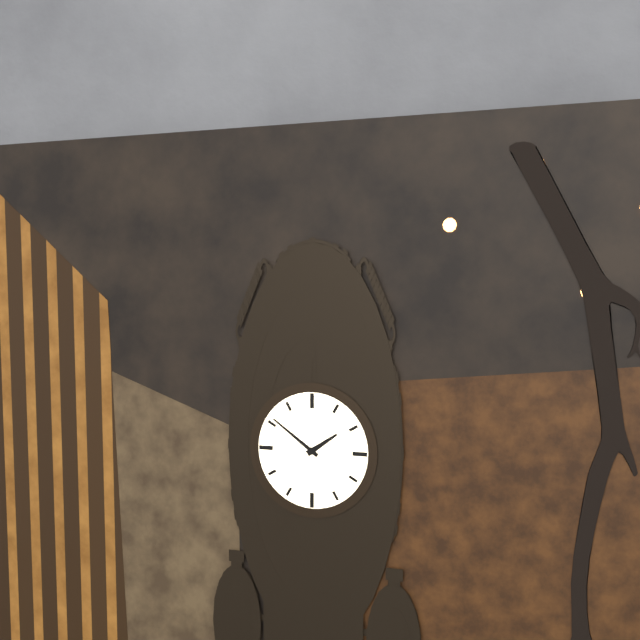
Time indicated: 1h51
